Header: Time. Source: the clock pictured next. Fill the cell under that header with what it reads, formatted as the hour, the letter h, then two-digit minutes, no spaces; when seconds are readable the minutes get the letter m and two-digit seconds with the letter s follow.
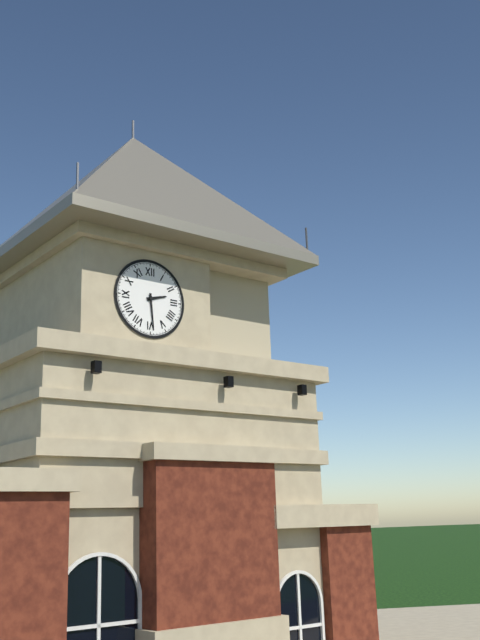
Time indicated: 2h29
